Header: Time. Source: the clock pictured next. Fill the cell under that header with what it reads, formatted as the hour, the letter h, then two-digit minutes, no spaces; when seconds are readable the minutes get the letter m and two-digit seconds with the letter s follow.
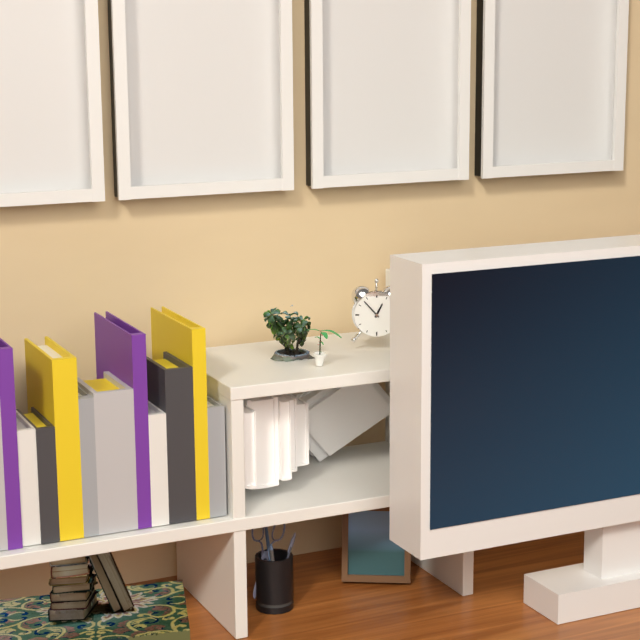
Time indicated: 12h53
